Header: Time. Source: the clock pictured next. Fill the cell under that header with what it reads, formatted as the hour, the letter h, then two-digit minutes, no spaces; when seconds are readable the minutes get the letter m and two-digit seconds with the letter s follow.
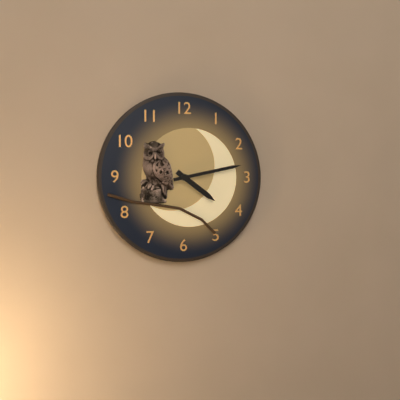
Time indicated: 4h13
